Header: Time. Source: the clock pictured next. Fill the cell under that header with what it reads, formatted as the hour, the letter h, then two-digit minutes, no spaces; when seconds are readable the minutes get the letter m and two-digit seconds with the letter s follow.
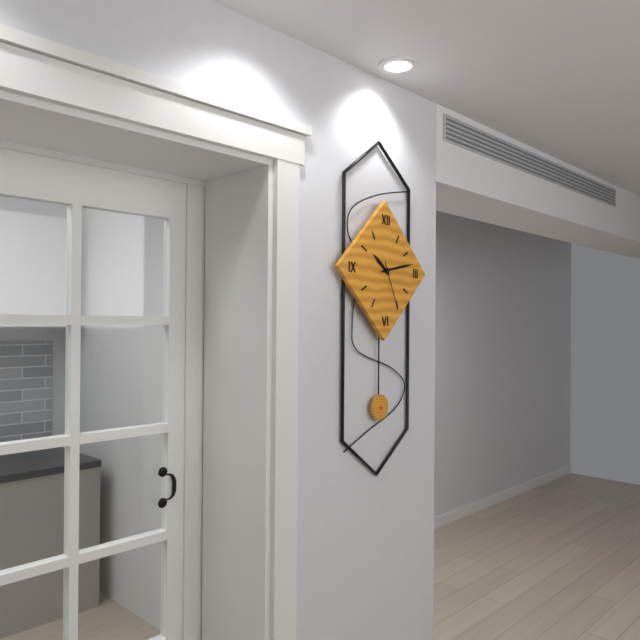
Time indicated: 10h13m26s
